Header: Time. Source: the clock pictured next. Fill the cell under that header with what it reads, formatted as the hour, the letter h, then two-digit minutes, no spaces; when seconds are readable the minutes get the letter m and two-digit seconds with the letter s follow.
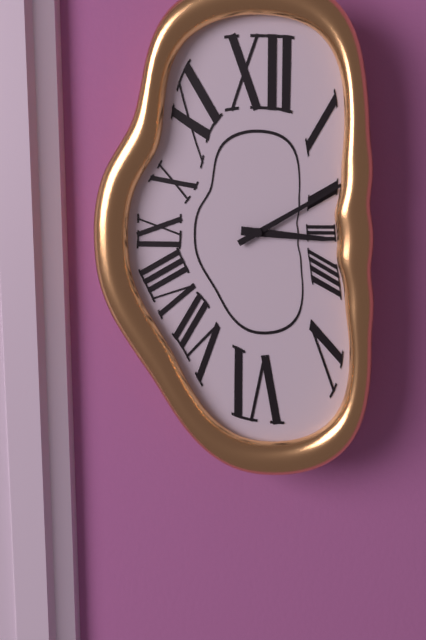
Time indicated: 3h10
